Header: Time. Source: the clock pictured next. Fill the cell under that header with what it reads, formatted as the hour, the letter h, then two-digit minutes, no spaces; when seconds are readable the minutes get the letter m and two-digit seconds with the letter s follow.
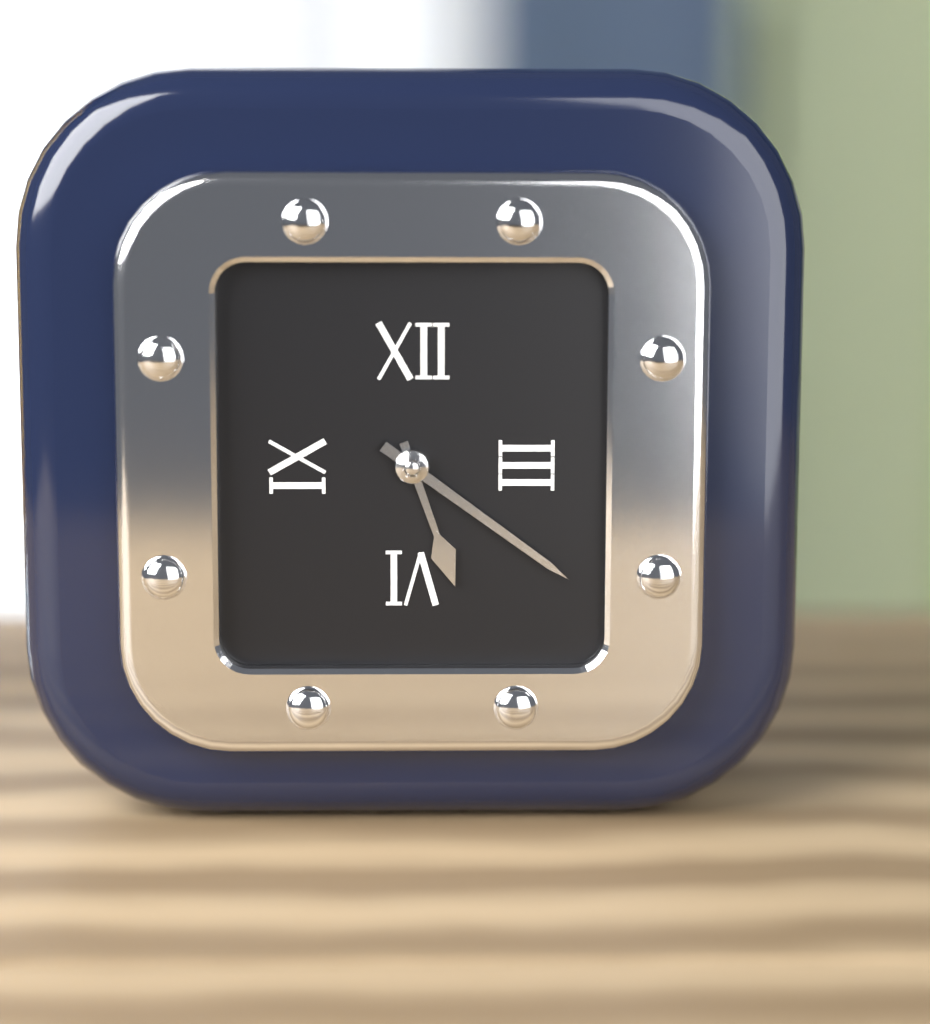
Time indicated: 5h21
